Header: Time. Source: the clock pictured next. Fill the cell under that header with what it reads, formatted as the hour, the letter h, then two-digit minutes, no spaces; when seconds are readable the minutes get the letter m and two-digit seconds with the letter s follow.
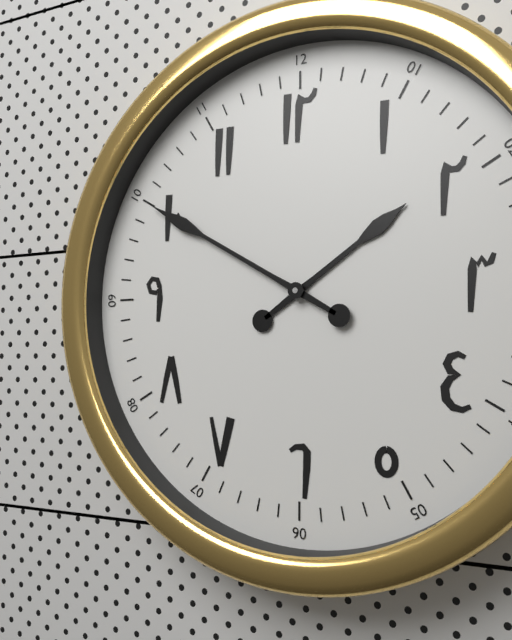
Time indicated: 1h50
